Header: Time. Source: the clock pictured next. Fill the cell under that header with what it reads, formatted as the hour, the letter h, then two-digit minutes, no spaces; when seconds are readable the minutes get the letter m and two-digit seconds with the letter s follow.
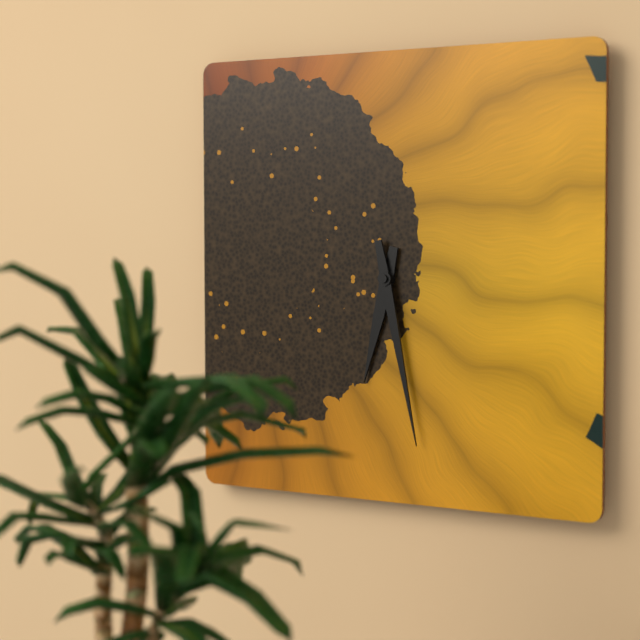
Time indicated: 6h28
